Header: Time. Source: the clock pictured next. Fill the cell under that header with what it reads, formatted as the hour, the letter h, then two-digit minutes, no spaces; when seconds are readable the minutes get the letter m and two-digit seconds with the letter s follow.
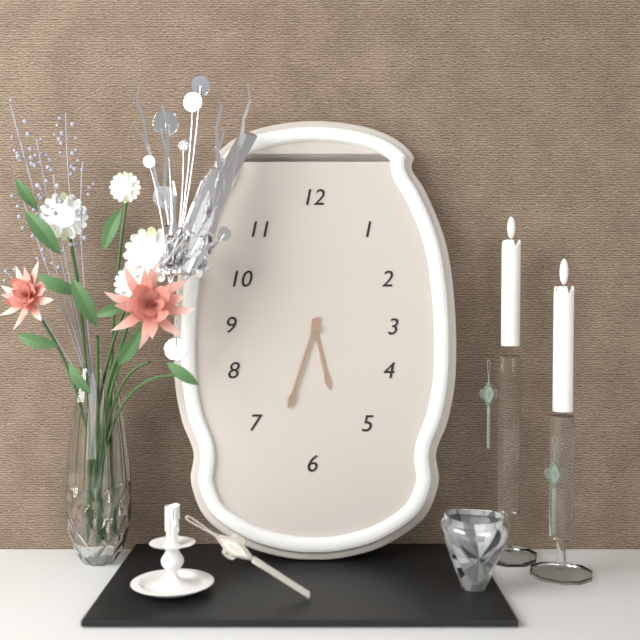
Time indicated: 5h33
